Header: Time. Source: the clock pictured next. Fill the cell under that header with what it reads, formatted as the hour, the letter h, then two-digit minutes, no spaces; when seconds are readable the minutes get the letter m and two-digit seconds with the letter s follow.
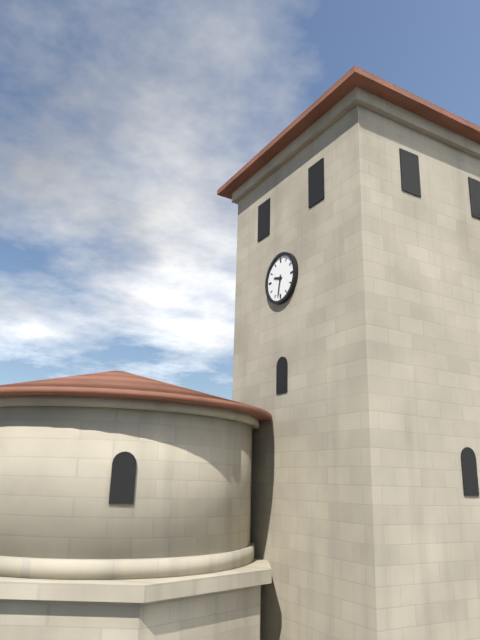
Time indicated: 9h32
